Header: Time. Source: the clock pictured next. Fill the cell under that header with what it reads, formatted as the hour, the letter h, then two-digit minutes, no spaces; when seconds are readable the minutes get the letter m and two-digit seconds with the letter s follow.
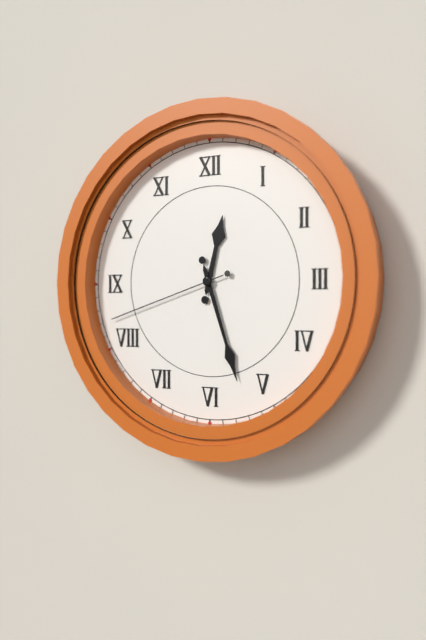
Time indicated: 12h27m42s
